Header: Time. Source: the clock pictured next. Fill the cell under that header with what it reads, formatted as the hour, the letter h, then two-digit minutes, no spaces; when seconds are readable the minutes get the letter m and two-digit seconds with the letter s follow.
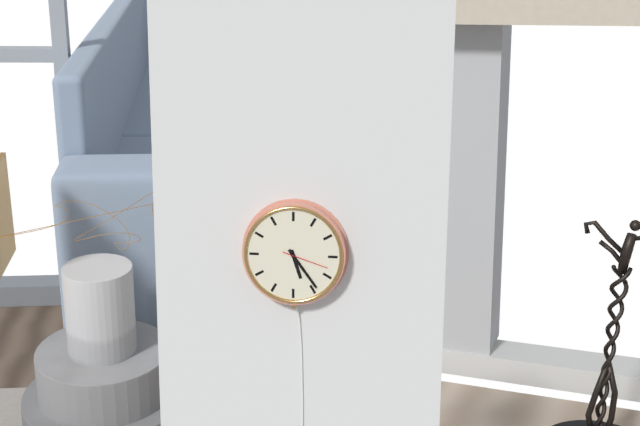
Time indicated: 5h24
